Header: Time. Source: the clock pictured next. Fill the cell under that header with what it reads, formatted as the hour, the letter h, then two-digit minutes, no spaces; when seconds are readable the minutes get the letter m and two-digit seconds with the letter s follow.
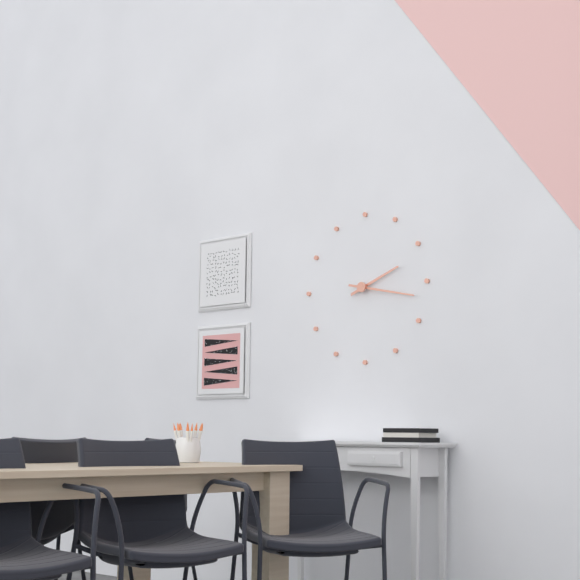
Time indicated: 2h17
